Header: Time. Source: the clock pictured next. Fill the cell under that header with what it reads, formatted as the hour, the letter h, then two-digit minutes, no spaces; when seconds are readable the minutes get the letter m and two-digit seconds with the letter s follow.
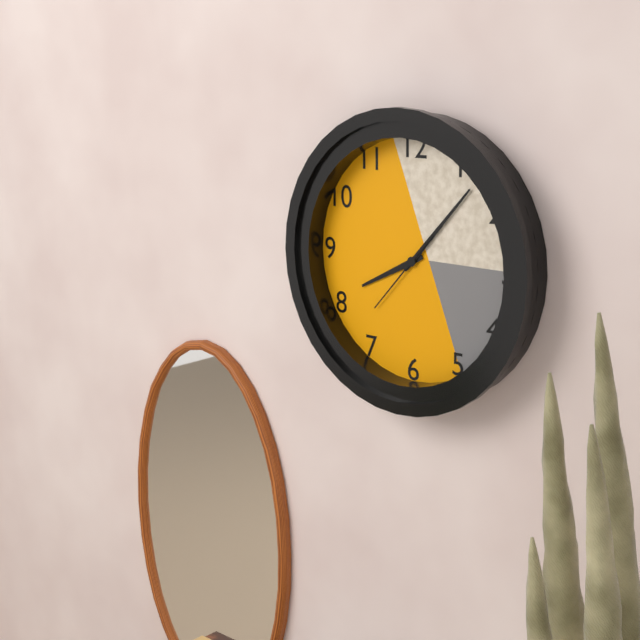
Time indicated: 8h07m37s
